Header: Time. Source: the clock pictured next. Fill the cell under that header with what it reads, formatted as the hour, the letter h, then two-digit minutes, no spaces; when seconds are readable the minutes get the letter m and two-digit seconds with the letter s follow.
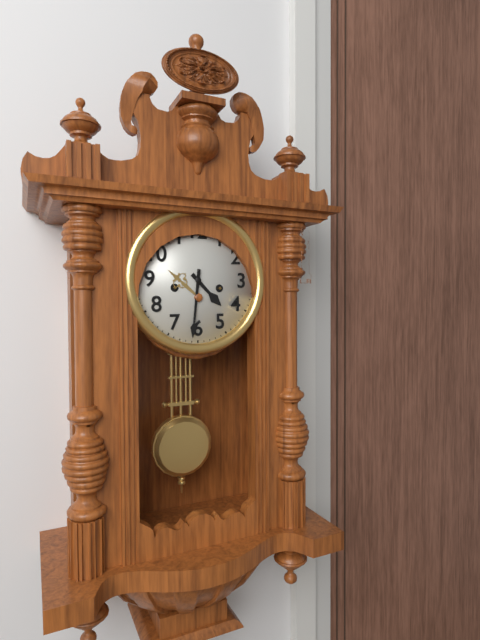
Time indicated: 4h31
